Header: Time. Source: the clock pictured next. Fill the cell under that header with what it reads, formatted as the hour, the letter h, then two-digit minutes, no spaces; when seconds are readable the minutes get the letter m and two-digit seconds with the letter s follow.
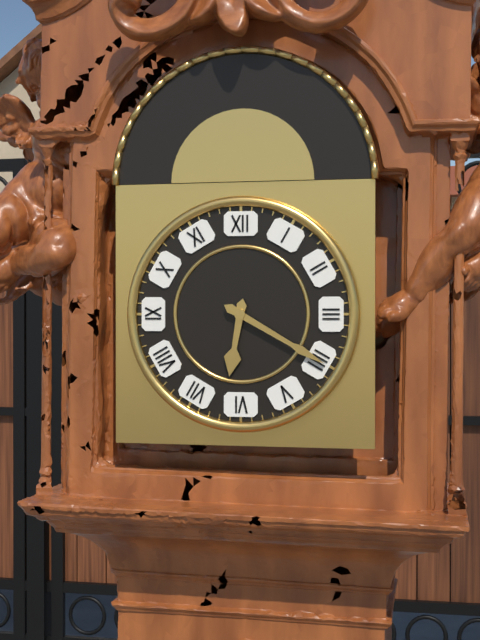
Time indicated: 6h20
